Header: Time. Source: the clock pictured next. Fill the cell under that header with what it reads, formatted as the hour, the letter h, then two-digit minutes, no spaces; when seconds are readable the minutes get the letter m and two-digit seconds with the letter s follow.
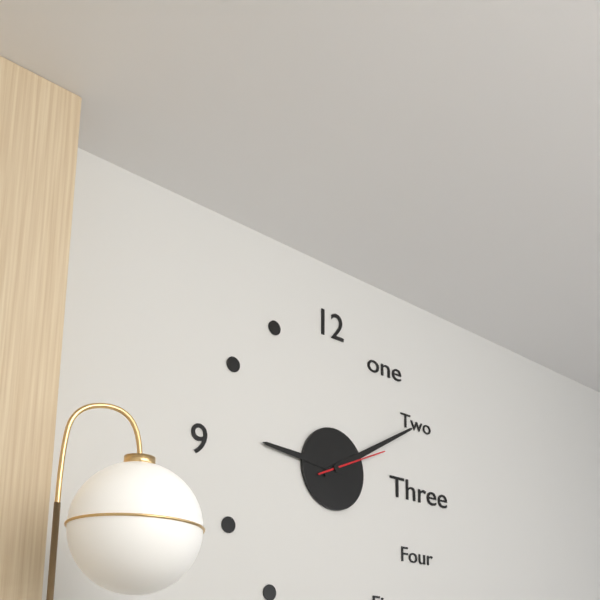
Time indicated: 9h10m11s
